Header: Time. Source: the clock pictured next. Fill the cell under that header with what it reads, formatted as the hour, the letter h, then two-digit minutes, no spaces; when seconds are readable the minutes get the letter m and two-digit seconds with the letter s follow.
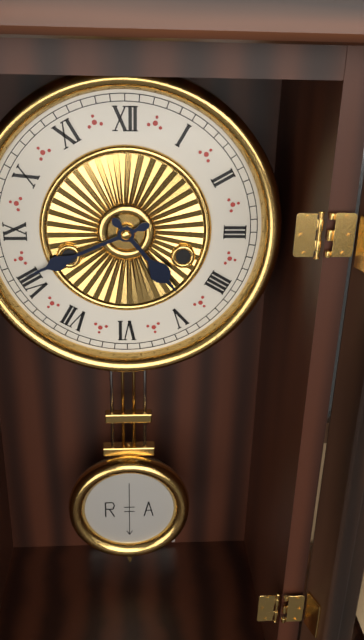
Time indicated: 4h41
